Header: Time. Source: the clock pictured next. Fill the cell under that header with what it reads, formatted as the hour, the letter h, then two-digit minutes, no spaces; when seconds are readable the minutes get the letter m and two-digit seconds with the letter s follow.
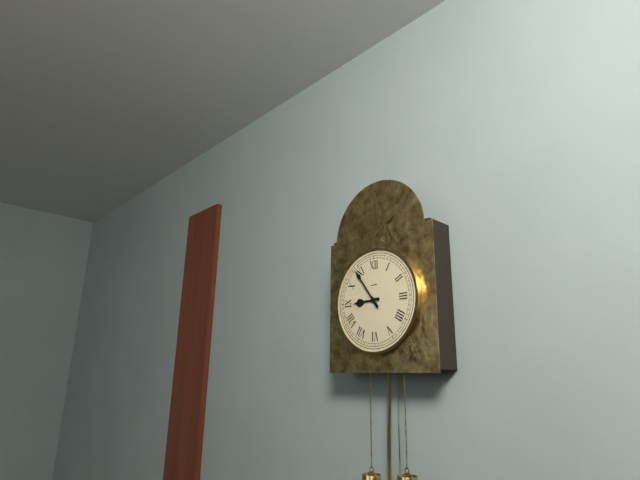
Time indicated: 8h54
